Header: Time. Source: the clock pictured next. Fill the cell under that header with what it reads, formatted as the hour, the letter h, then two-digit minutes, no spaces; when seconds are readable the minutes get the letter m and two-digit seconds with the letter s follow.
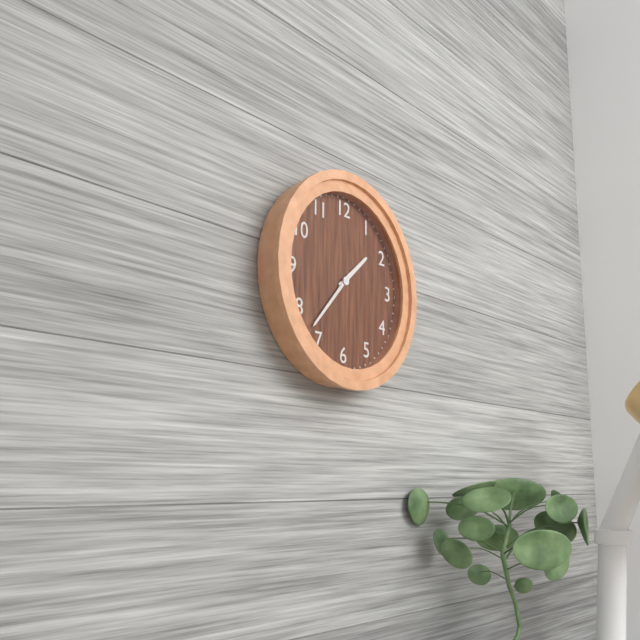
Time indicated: 1h37
